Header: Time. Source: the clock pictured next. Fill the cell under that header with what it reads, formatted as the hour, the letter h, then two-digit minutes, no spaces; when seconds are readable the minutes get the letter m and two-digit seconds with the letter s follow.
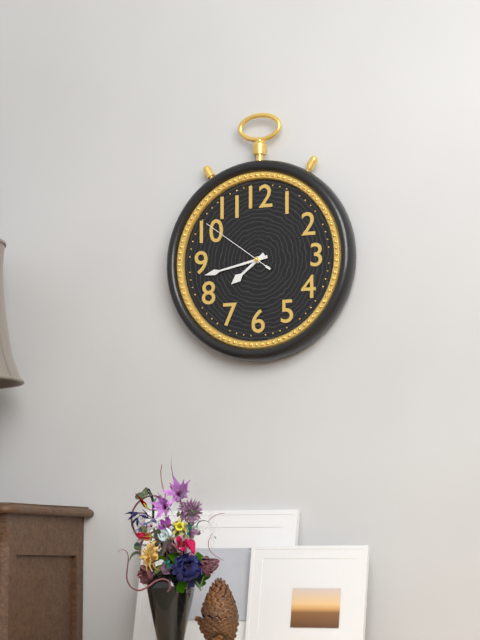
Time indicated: 7h43m51s
